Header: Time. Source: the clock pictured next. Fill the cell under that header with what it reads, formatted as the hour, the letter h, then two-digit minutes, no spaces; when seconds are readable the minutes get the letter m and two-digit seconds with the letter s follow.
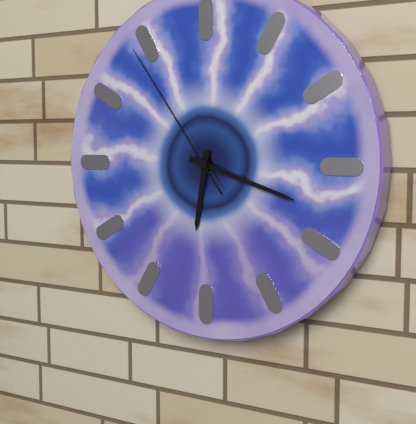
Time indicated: 6h18m54s
